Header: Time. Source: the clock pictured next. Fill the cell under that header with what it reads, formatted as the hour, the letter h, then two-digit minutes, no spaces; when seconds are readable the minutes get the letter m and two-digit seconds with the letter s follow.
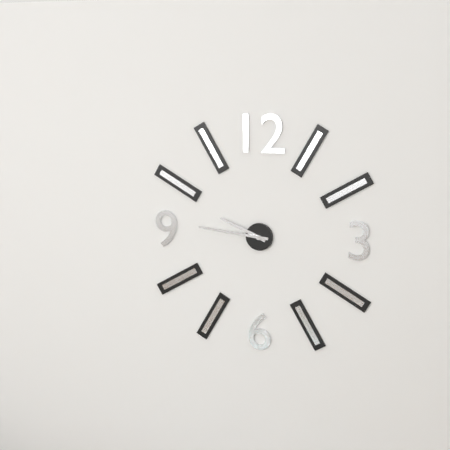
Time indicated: 9h46
